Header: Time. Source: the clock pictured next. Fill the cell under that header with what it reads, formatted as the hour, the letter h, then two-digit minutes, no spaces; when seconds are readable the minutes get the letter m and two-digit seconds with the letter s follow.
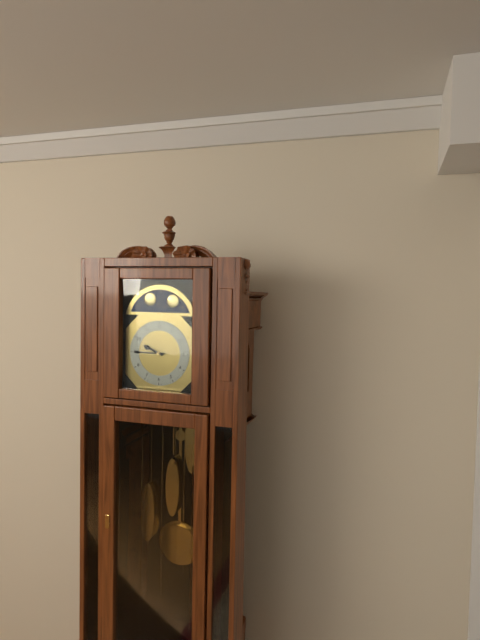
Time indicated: 9h45
